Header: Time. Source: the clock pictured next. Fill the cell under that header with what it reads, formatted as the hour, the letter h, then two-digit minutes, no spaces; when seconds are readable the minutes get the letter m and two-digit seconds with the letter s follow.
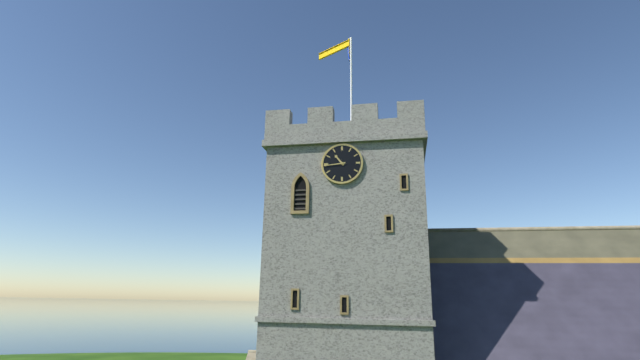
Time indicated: 10h44
